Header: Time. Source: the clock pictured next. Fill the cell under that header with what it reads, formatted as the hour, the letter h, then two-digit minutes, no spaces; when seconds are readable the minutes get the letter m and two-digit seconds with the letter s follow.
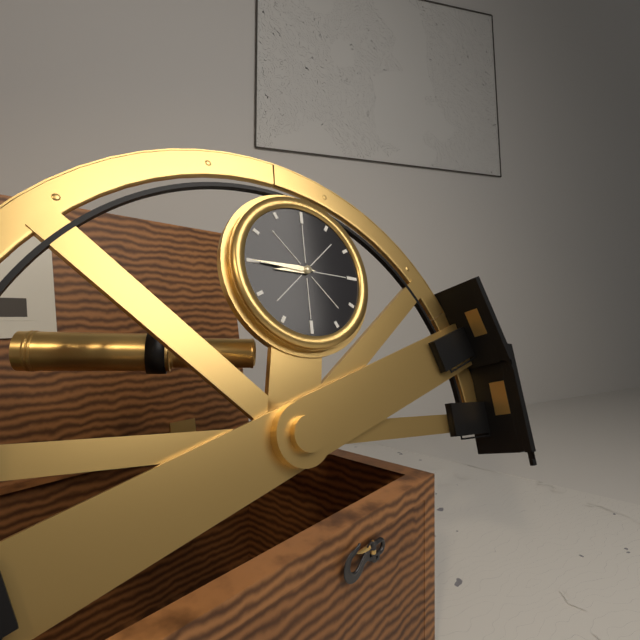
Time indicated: 8h45
